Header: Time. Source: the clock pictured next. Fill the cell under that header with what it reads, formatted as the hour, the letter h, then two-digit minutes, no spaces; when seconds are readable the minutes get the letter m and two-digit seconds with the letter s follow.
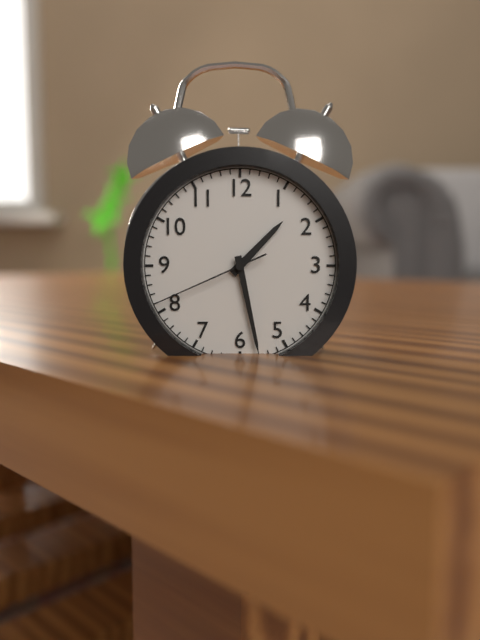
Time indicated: 1h28m41s
